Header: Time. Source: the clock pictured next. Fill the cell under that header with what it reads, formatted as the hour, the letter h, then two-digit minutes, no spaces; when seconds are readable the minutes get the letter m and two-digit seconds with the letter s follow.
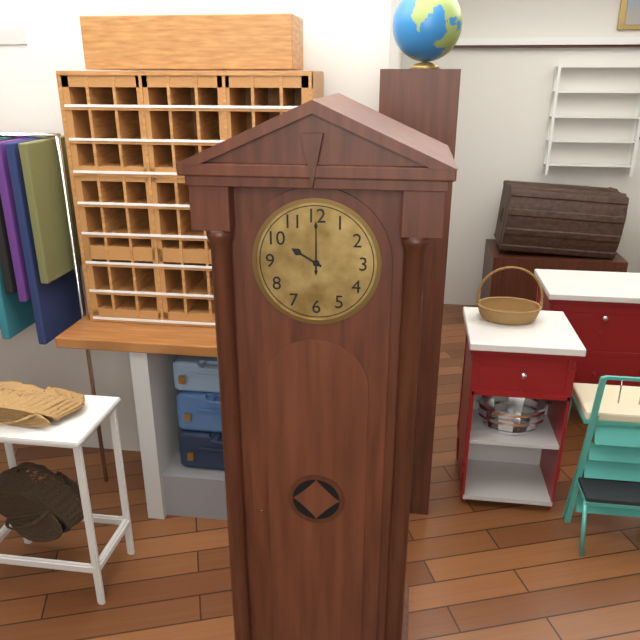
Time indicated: 10h00
